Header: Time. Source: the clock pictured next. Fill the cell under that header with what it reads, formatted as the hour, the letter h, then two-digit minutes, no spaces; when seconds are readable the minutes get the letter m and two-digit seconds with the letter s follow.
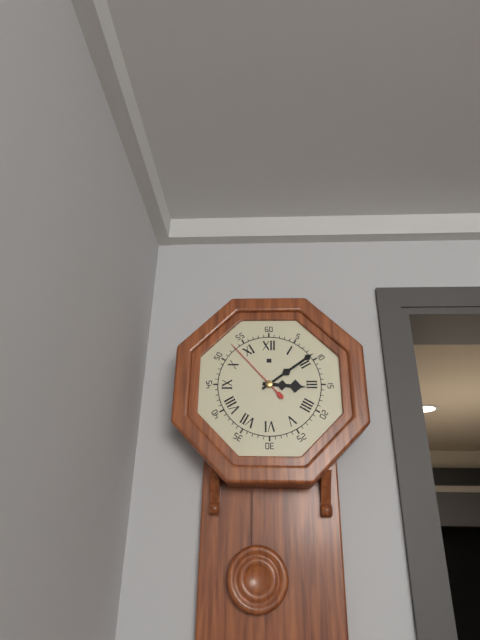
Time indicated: 3h09m53s
